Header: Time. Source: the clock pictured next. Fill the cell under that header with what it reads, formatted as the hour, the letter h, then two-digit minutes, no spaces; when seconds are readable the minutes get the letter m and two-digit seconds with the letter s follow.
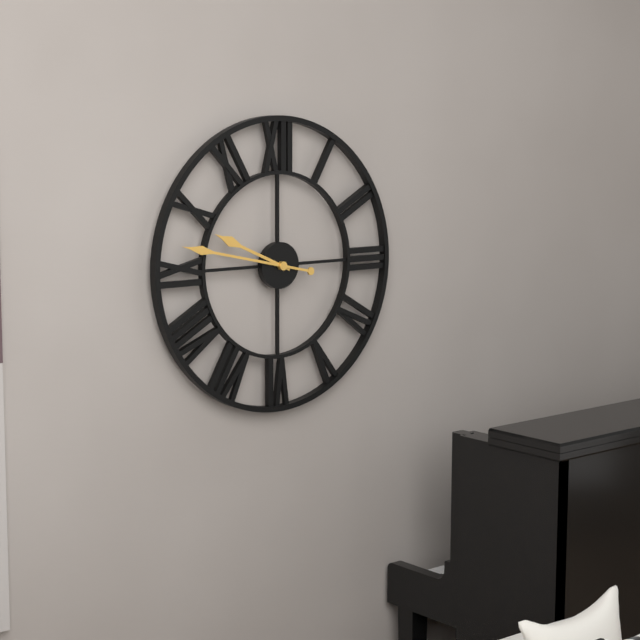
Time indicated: 9h47
